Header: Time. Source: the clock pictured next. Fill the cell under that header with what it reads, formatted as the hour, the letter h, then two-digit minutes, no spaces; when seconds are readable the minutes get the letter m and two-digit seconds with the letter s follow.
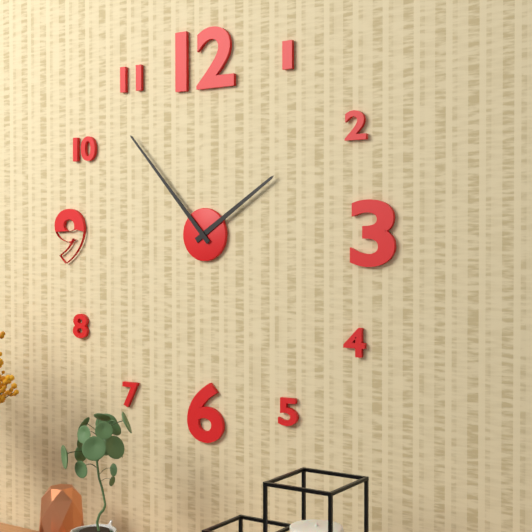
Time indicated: 1h53
